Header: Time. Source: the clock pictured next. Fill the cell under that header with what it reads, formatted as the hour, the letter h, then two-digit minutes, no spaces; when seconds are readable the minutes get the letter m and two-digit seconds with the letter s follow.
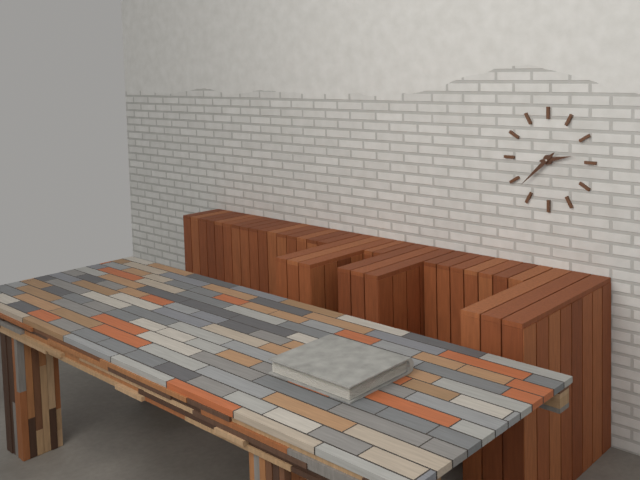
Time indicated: 2h38
